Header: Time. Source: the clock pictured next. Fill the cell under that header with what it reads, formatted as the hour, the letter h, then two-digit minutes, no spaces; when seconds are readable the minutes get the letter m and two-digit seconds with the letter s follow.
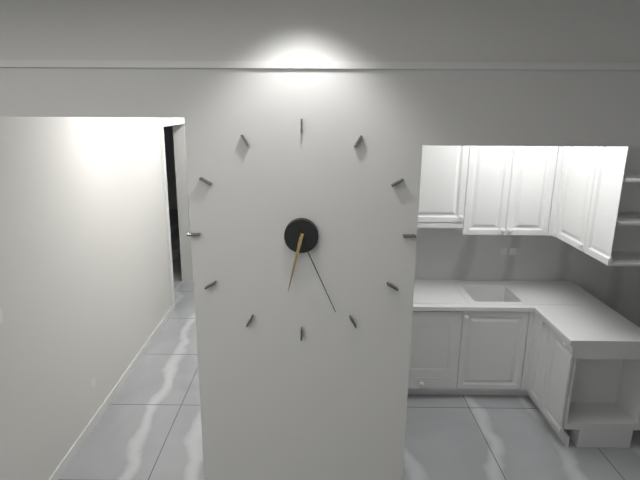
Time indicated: 6h26
